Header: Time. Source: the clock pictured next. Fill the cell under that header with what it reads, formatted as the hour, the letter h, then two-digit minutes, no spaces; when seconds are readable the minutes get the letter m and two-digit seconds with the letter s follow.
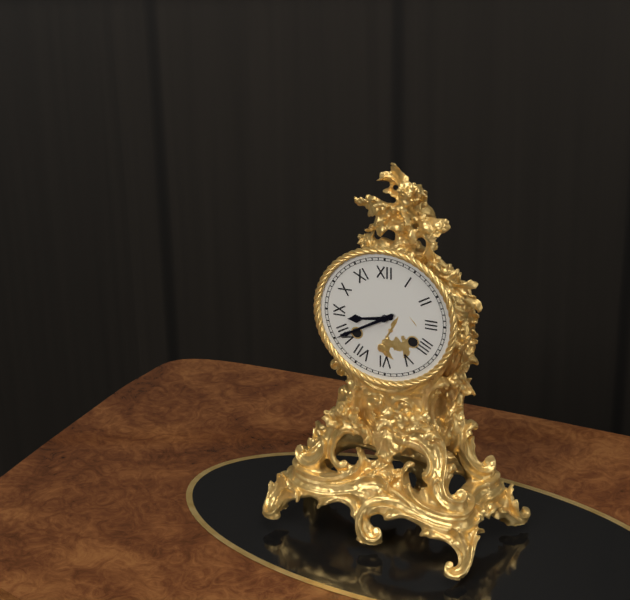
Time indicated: 8h40
